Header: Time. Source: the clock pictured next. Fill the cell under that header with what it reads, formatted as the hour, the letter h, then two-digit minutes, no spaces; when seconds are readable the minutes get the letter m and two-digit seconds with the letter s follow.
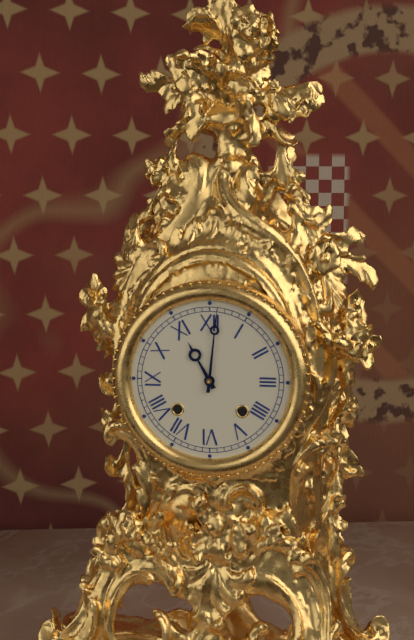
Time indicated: 11h01
